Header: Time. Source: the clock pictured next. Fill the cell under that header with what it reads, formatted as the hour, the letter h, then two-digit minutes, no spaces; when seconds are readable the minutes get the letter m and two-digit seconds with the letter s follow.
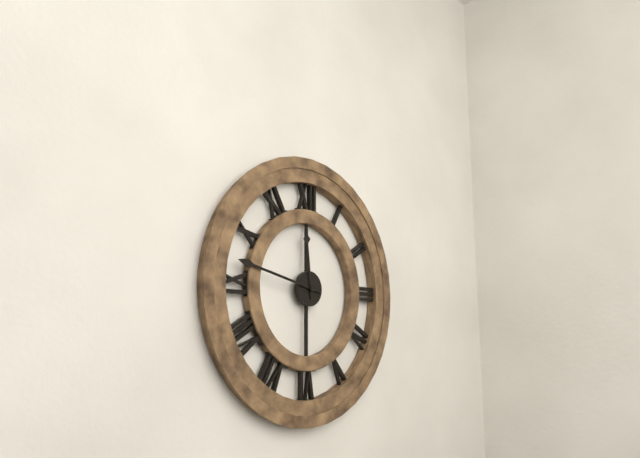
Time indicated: 11h47
